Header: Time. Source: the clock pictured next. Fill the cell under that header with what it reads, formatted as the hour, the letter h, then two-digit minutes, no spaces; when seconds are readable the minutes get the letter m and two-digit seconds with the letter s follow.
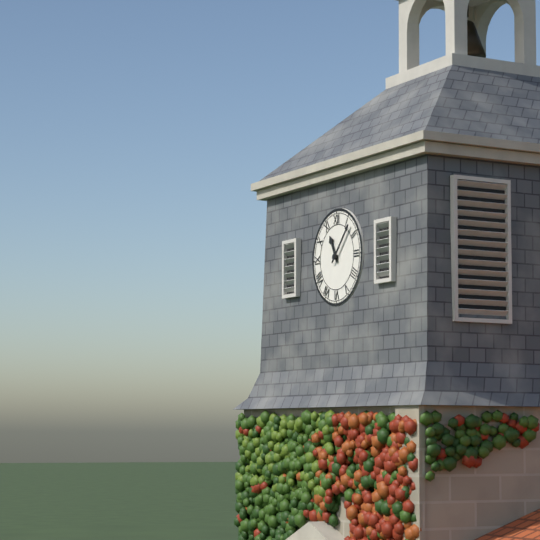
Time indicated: 11h07
